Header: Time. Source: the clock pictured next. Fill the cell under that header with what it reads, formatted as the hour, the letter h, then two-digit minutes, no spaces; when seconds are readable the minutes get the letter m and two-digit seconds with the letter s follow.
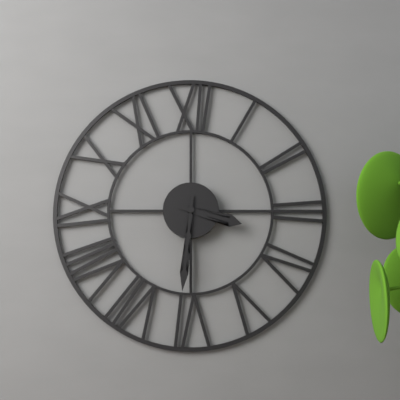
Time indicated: 3h31
